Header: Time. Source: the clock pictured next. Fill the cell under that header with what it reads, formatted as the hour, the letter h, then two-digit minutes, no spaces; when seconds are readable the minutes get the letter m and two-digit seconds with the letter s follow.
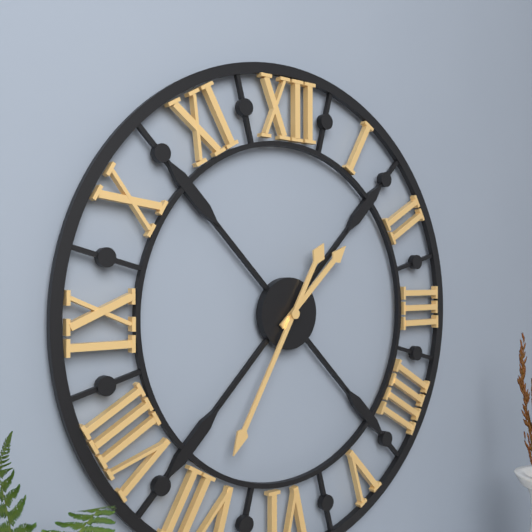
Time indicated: 1h35
